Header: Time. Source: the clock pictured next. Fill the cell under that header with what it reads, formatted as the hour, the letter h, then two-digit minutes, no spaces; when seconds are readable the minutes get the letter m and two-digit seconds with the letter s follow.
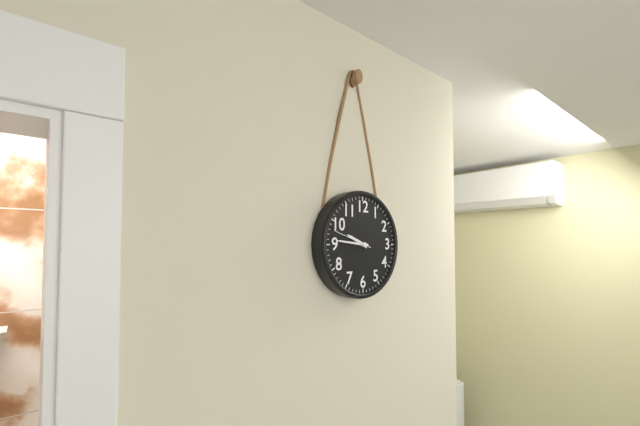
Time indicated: 9h46
